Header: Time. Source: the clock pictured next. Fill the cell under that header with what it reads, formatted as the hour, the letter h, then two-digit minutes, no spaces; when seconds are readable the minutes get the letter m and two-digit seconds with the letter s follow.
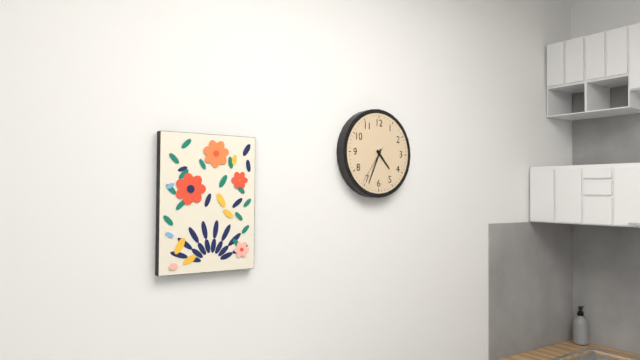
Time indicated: 4h34
